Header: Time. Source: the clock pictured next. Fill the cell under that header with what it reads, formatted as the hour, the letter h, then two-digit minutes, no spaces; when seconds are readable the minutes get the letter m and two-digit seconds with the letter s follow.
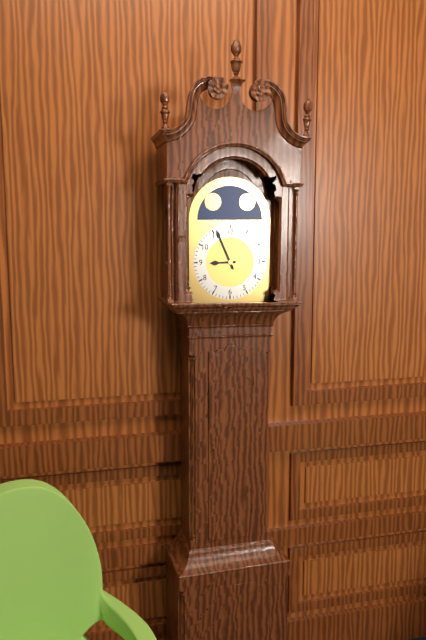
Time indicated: 8h56
